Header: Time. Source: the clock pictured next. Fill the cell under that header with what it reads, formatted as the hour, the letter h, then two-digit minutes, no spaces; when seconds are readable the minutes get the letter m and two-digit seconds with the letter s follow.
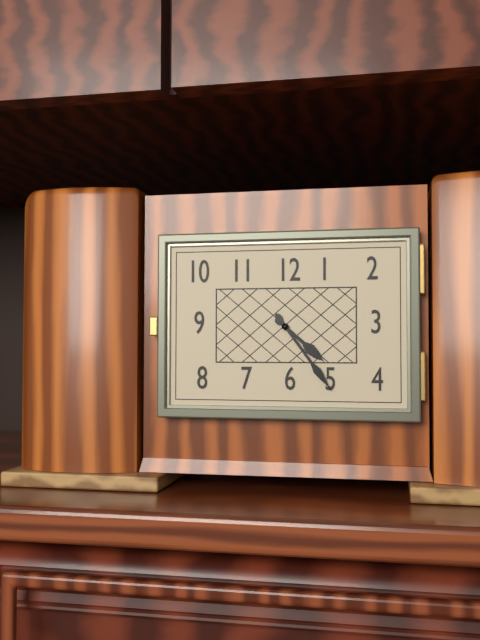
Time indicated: 4h24
